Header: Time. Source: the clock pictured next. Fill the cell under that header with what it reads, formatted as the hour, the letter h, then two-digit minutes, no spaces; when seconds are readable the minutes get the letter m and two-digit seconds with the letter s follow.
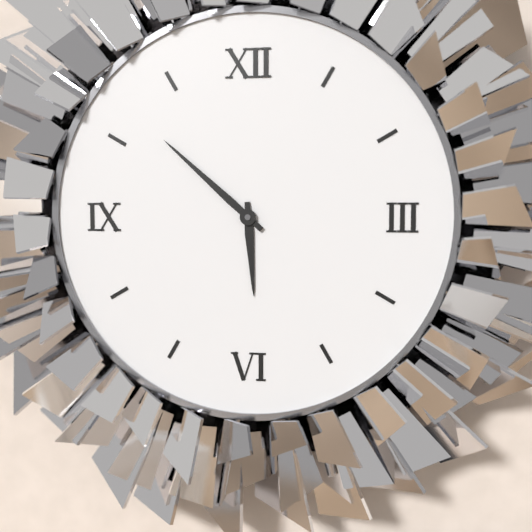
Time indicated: 5h52
